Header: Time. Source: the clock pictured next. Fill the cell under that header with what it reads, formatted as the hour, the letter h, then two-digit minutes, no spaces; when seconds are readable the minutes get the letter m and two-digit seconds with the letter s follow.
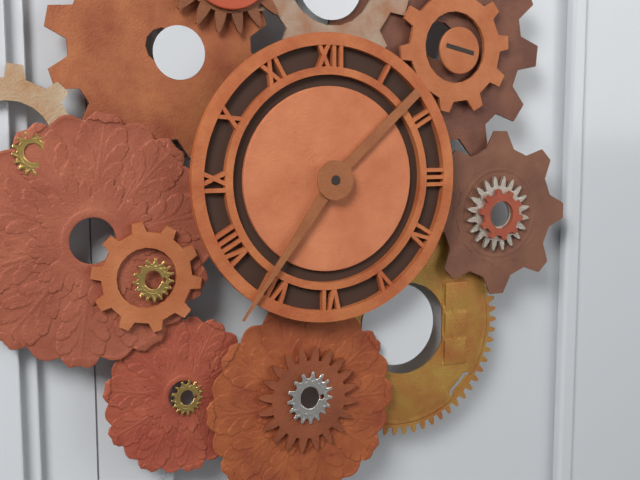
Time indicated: 1h36
